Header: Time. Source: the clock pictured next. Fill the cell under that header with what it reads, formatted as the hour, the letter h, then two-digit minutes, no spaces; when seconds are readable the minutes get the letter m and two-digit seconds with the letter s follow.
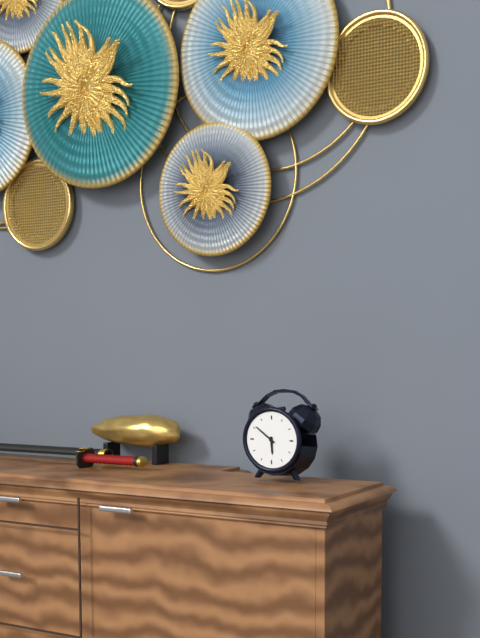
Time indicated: 5h51
